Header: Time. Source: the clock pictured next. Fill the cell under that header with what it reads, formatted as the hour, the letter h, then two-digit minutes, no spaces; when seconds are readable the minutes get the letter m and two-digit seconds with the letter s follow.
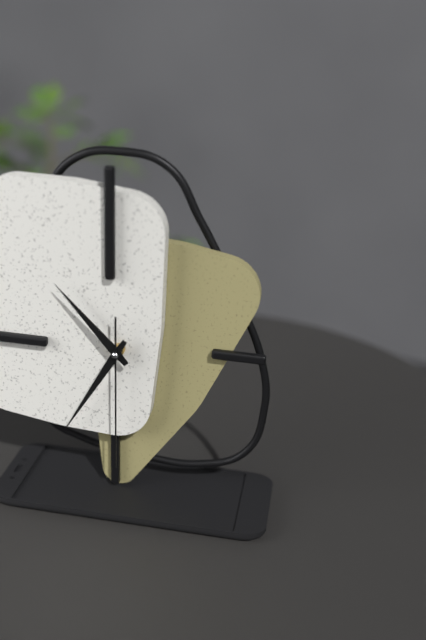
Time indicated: 10h35m30s
